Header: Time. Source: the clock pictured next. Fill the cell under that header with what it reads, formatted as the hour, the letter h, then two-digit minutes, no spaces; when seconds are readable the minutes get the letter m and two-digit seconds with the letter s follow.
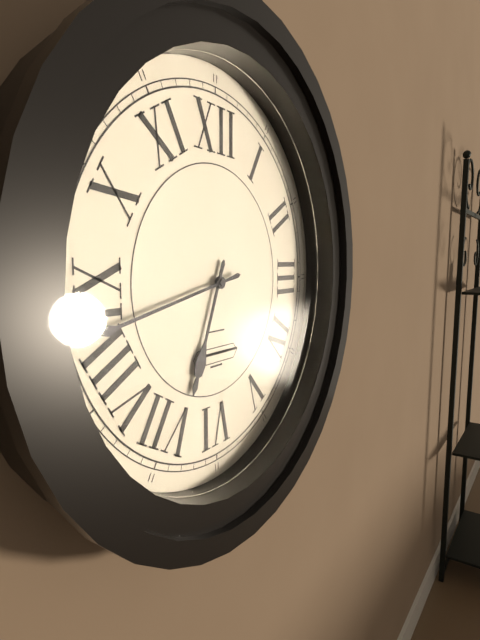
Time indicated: 6h43
